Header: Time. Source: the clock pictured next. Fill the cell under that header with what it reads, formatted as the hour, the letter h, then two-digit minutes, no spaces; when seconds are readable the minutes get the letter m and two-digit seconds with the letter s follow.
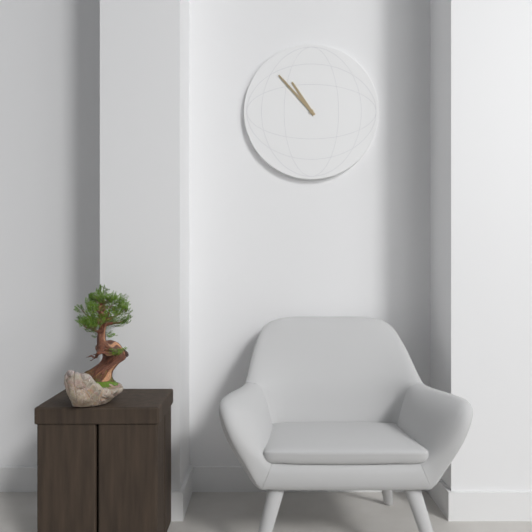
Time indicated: 10h53
